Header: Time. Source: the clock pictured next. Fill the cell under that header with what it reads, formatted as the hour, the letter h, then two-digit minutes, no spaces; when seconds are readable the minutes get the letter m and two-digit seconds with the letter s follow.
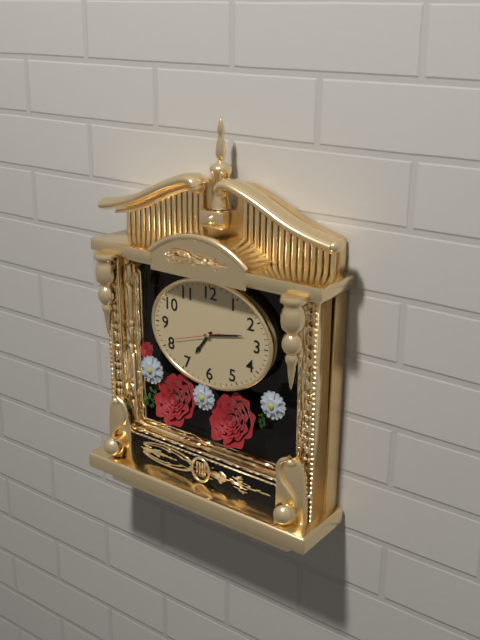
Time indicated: 7h13
